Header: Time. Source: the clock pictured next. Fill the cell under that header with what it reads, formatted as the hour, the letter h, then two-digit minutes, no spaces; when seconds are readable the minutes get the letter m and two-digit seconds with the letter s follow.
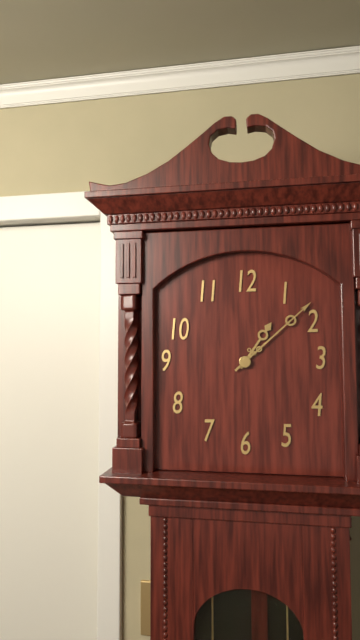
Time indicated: 1h08
